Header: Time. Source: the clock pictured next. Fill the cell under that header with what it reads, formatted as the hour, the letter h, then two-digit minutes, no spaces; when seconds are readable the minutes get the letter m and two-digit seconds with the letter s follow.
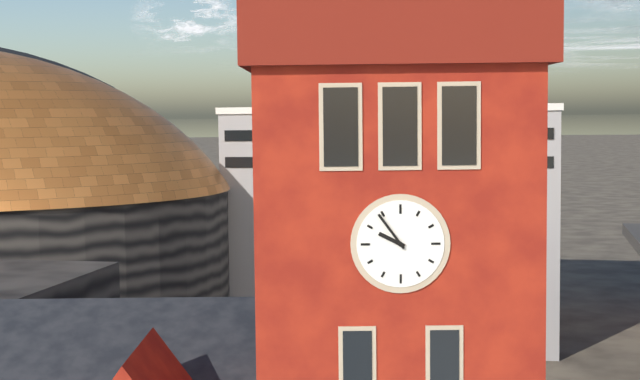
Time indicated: 9h54
